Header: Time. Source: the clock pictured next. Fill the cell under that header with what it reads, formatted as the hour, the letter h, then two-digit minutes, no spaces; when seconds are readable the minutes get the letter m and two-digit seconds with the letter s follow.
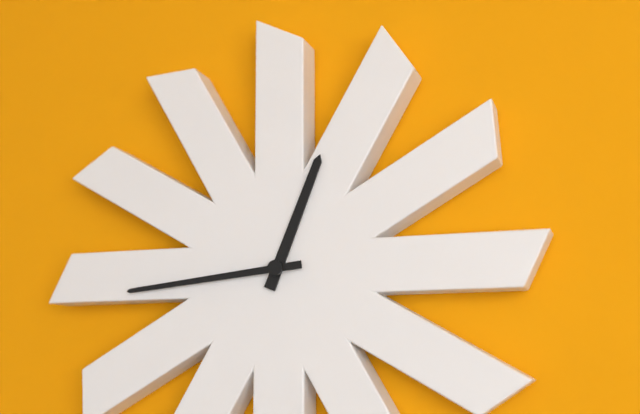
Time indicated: 12h44
